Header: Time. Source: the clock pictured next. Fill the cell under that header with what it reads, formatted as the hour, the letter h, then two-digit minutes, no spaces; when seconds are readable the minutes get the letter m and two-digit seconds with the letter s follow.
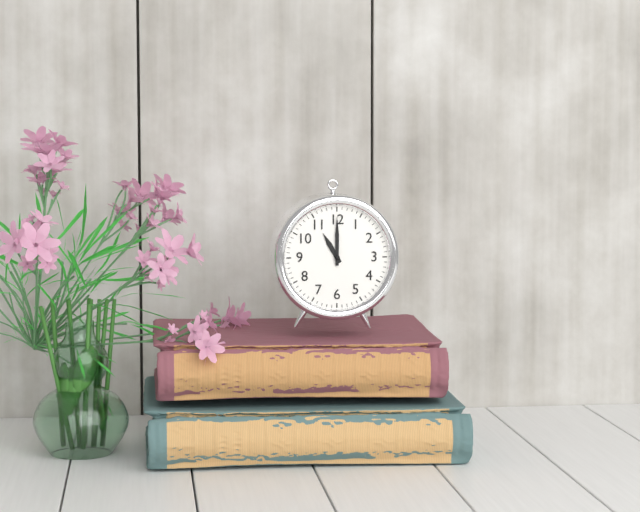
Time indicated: 11h00
